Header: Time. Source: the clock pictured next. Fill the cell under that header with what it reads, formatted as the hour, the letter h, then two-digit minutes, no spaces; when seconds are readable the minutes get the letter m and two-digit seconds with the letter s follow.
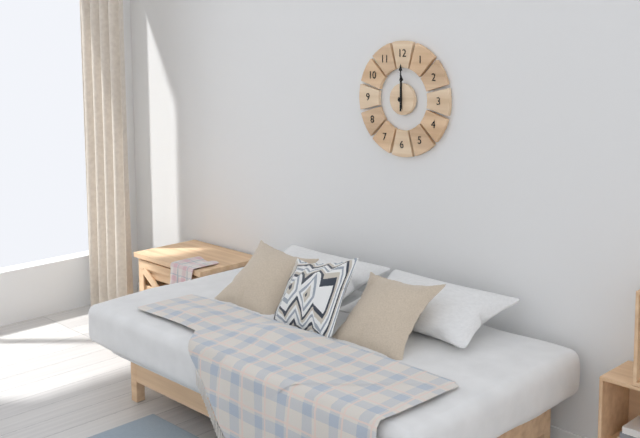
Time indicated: 12h00
